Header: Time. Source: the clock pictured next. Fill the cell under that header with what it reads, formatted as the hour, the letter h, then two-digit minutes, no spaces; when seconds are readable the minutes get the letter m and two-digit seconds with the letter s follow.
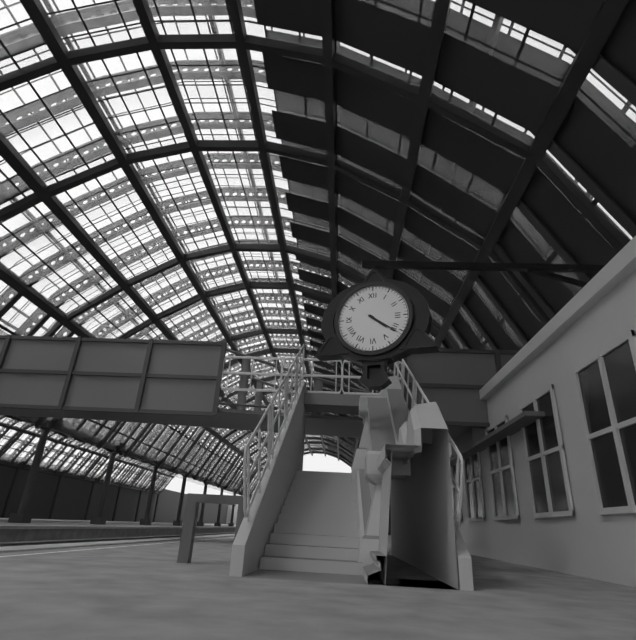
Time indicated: 4h21
